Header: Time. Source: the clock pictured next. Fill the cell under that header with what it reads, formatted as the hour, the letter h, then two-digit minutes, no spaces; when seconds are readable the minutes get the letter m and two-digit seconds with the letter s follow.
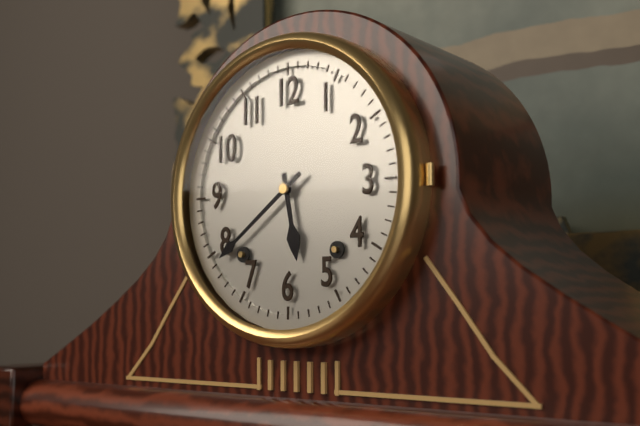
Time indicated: 5h39
